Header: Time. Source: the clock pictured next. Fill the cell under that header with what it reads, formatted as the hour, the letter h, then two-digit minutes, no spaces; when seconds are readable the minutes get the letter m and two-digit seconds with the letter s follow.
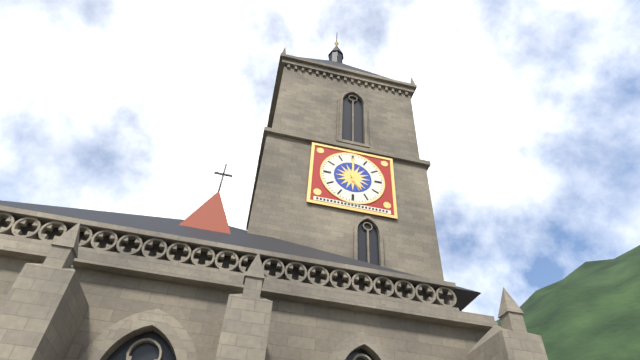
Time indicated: 5h00
